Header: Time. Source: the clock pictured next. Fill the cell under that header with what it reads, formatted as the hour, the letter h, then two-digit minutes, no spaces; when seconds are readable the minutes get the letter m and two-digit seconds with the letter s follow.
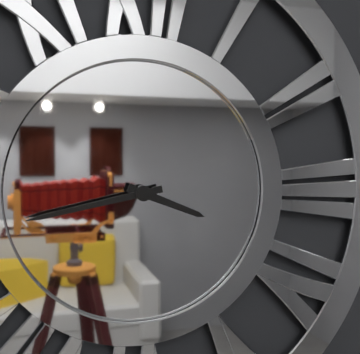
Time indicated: 3h43
